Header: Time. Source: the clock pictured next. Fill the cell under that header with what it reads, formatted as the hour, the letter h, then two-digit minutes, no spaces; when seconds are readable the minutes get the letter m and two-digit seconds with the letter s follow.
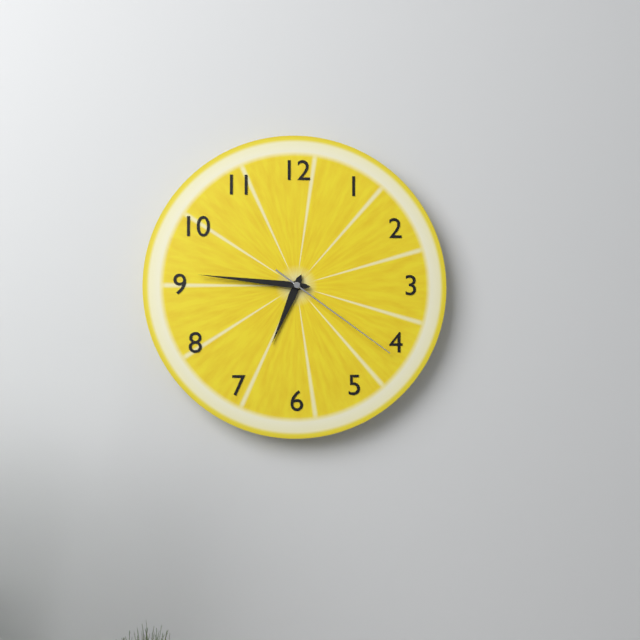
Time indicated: 6h46m21s
